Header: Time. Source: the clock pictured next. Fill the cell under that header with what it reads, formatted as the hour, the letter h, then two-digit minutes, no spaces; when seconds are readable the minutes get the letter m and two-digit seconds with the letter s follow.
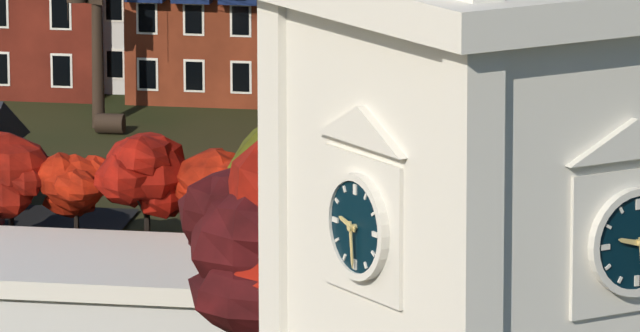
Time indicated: 9h29
